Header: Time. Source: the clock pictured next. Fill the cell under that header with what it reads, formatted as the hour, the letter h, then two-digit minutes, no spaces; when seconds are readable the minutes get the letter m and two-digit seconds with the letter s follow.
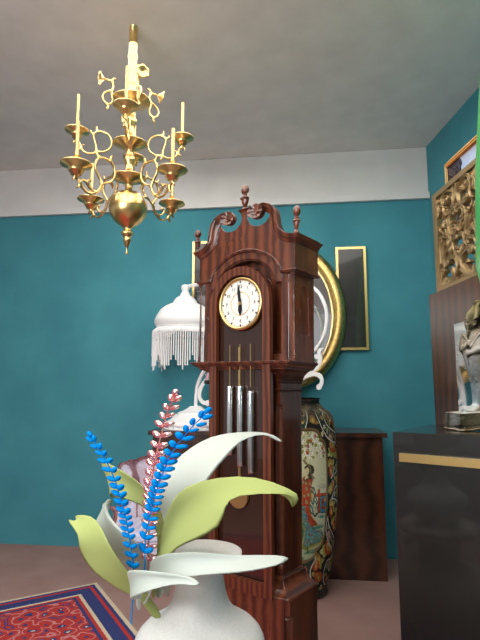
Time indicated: 5h59
